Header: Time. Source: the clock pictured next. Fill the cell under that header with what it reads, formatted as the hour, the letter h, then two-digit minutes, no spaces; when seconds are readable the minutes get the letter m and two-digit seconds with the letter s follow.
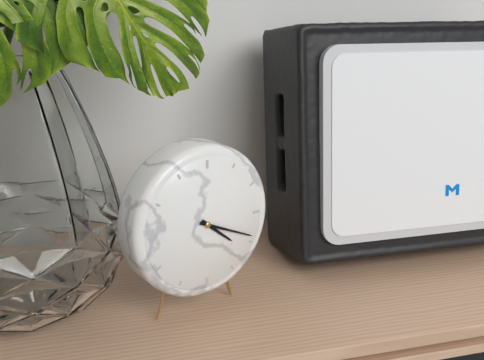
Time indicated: 4h19
